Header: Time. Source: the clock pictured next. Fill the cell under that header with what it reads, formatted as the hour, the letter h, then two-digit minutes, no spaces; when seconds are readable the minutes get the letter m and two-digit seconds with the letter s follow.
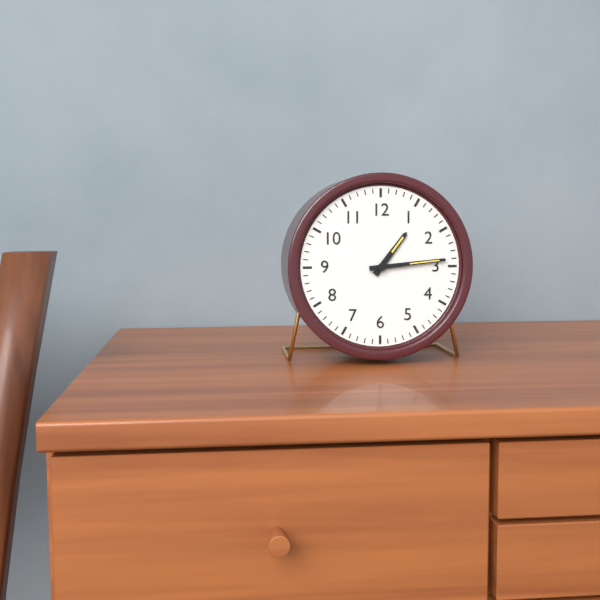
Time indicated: 1h14
